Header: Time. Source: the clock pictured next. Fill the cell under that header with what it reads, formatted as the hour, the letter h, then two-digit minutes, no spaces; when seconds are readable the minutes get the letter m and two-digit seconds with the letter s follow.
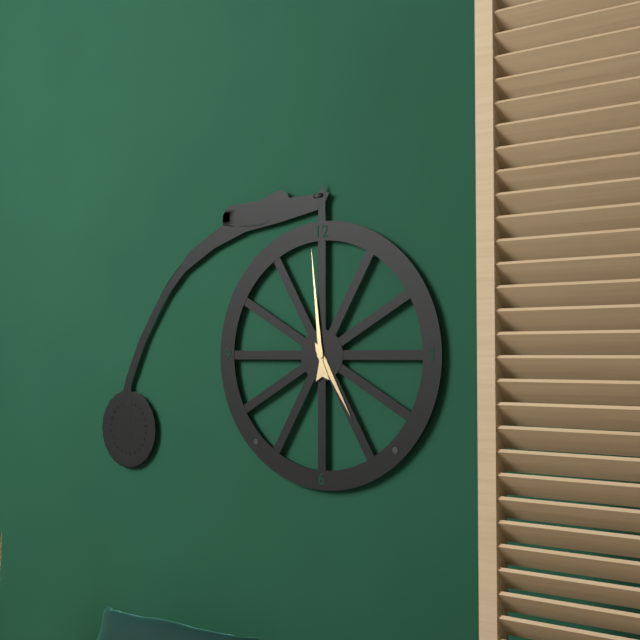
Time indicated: 4h59
